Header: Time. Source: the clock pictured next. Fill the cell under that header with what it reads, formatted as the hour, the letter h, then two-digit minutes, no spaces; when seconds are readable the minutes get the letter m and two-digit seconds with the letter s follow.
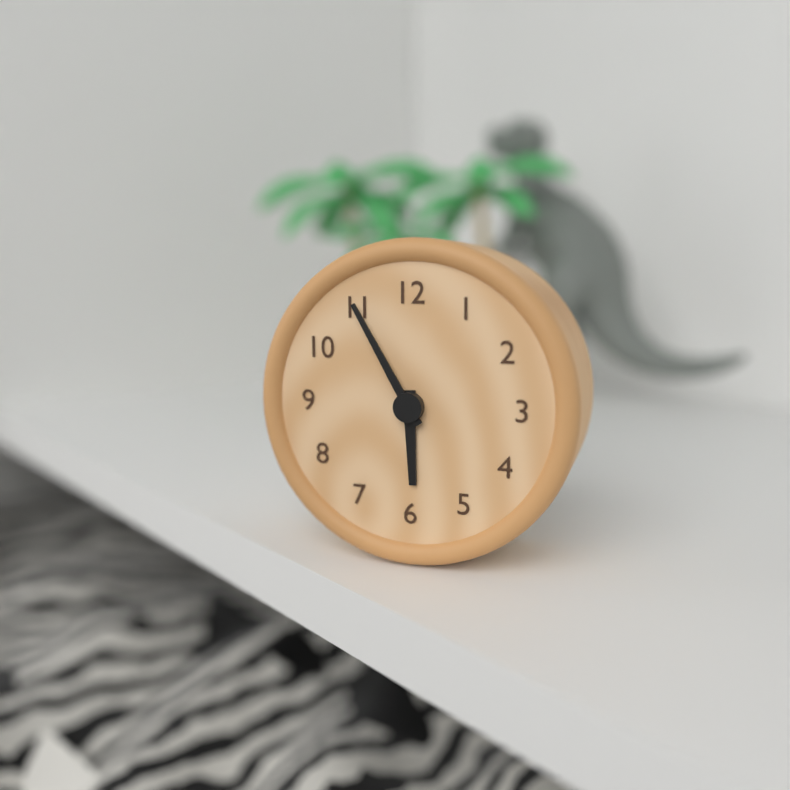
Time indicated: 5h55
